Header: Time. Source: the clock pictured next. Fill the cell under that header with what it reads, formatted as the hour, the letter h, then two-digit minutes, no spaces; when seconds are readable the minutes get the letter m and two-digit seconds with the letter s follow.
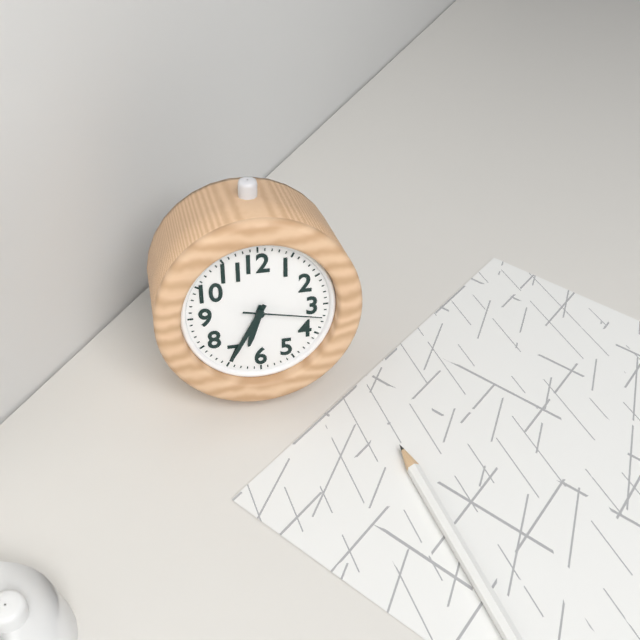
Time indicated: 6h35m17s
